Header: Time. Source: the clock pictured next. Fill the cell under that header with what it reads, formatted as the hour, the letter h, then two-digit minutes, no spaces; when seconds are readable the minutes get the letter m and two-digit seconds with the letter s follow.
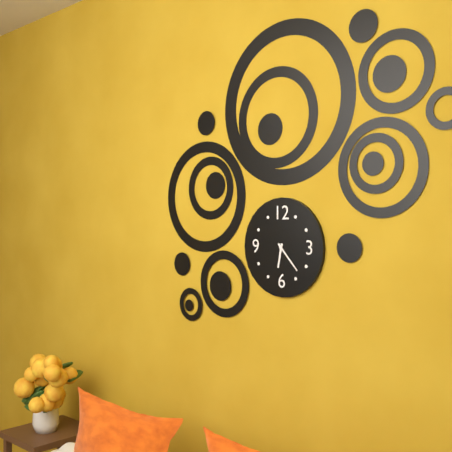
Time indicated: 6h23
